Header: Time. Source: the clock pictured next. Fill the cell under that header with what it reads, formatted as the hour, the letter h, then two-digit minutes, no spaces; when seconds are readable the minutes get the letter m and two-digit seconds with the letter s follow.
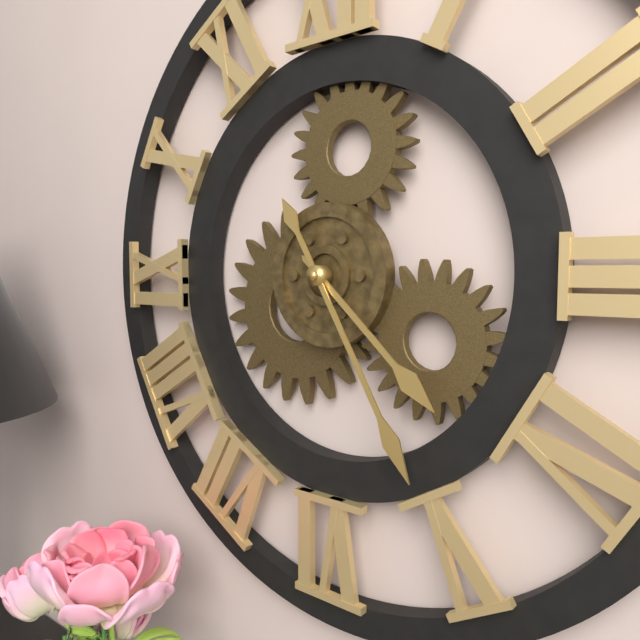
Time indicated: 4h25
